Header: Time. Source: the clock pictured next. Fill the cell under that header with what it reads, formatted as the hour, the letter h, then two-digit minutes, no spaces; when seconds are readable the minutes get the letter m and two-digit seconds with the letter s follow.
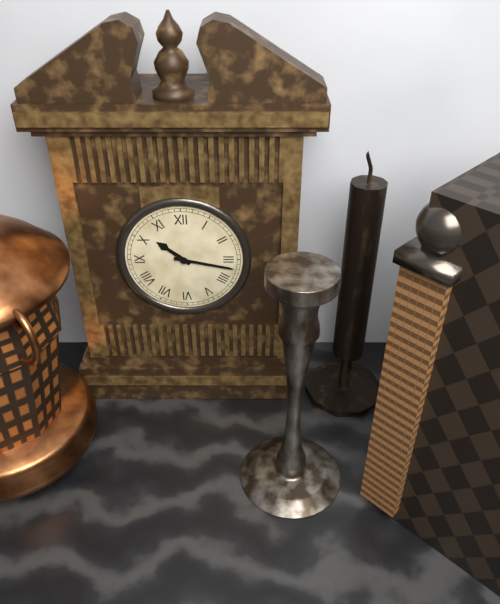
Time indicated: 10h17
